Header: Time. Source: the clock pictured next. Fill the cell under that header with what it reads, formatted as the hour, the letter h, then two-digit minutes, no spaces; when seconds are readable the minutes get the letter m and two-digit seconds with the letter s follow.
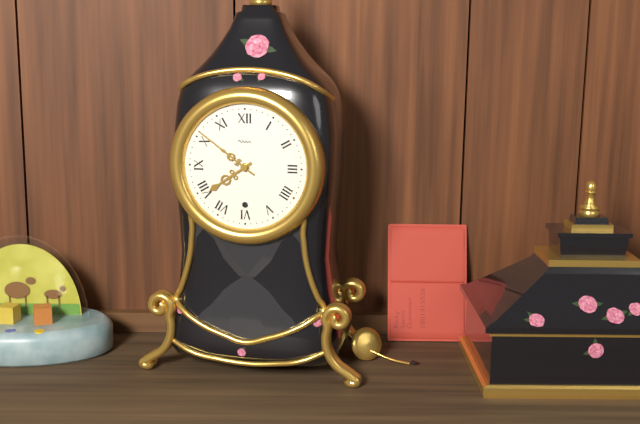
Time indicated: 7h51
